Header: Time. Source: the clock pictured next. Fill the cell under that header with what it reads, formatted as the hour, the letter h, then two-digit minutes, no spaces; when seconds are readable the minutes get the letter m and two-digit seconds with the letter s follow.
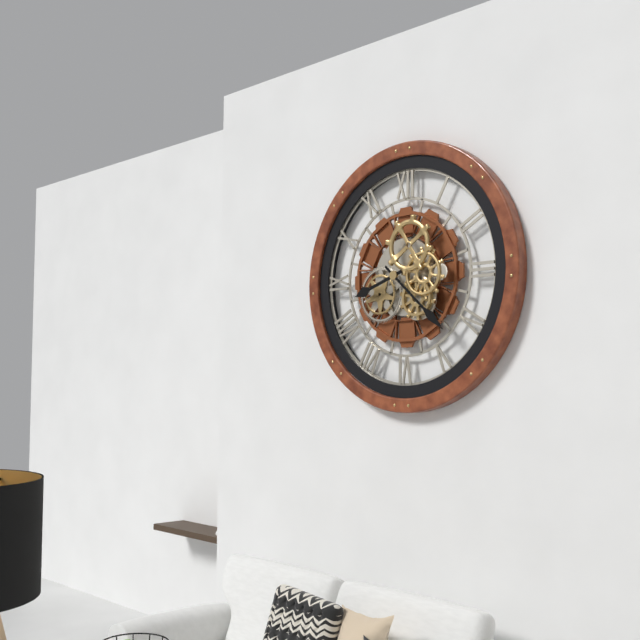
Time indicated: 8h22
